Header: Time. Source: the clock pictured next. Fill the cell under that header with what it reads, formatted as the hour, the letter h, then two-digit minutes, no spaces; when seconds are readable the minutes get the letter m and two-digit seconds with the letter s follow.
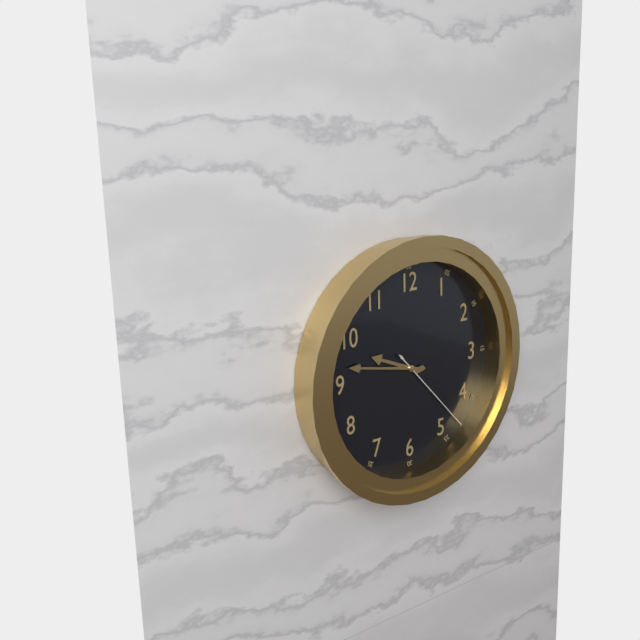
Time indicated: 9h47m23s
